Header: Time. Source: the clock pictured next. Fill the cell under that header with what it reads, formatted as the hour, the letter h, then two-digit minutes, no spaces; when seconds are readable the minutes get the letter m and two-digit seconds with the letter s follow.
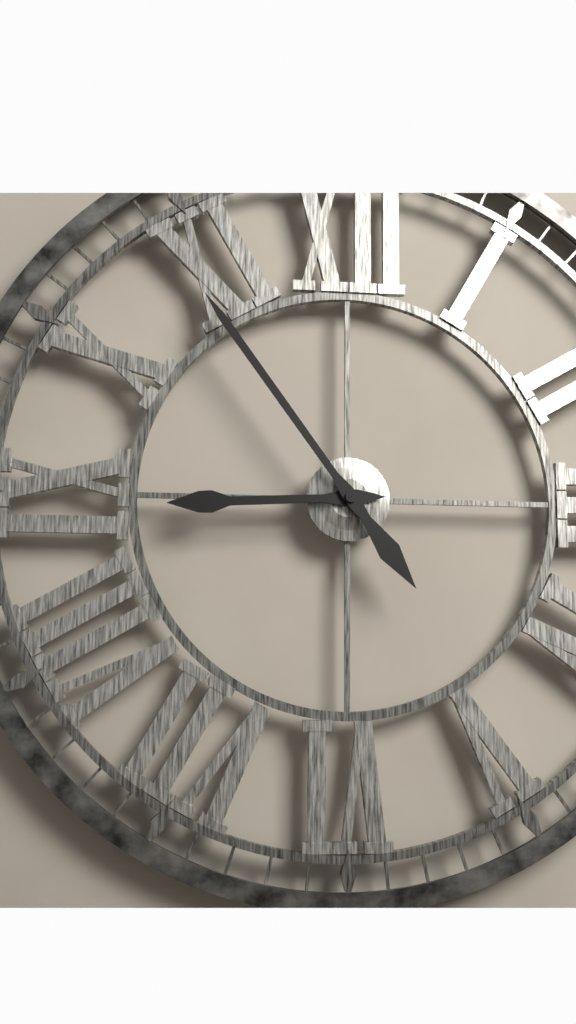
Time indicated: 8h54
